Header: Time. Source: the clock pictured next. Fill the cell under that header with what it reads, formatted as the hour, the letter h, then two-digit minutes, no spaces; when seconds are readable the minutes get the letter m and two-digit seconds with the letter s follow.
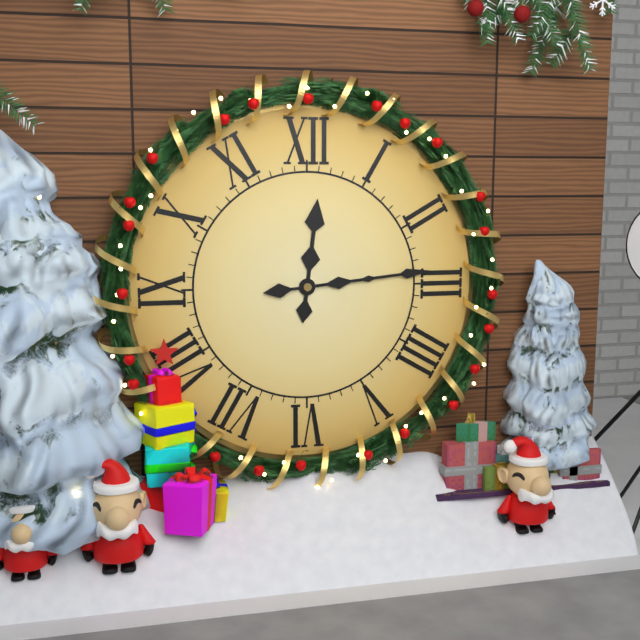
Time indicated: 12h14
